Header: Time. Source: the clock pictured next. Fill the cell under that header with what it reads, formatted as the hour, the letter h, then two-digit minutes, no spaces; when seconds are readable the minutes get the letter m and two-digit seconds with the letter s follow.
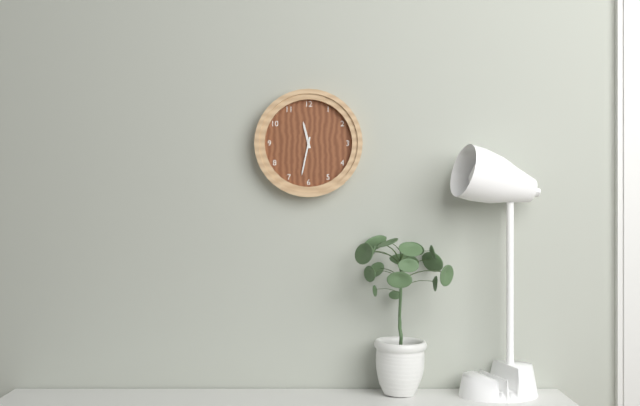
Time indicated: 11h32
